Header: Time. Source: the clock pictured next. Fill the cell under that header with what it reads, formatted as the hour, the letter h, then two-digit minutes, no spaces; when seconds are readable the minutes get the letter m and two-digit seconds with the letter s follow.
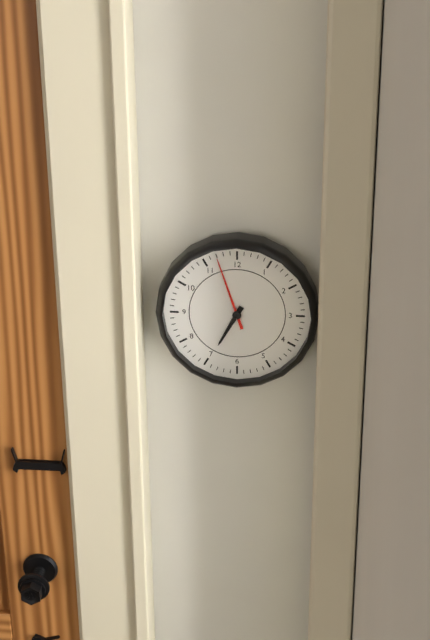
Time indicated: 6h57
